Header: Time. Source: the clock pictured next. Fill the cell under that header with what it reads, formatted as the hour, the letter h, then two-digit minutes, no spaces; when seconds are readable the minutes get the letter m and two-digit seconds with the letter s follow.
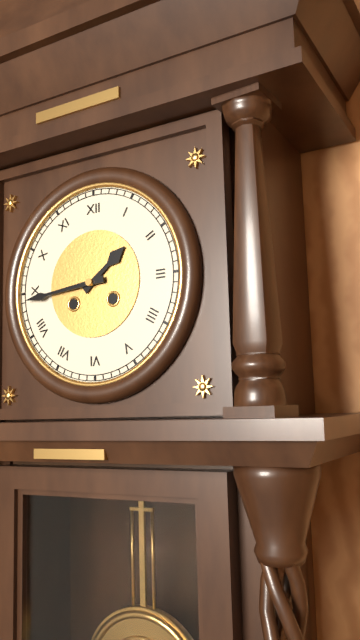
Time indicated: 1h44
